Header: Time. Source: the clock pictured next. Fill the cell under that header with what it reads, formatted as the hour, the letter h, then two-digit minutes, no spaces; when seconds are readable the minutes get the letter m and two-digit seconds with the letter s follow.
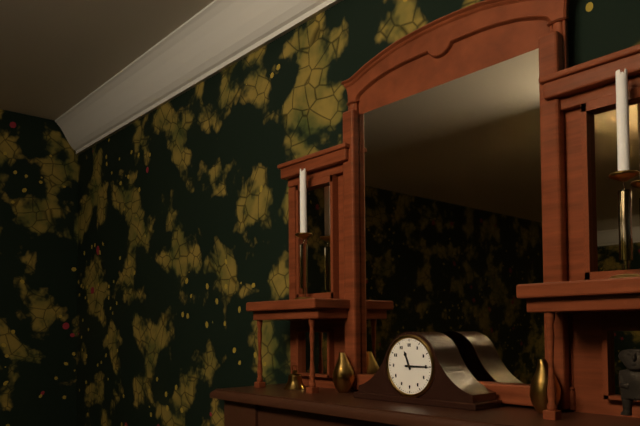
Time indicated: 11h15
